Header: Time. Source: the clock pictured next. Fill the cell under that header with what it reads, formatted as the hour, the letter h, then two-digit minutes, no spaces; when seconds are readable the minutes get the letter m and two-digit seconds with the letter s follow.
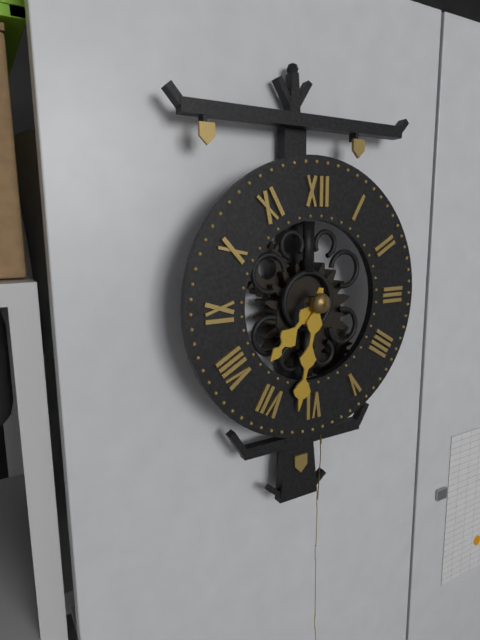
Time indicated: 7h32
